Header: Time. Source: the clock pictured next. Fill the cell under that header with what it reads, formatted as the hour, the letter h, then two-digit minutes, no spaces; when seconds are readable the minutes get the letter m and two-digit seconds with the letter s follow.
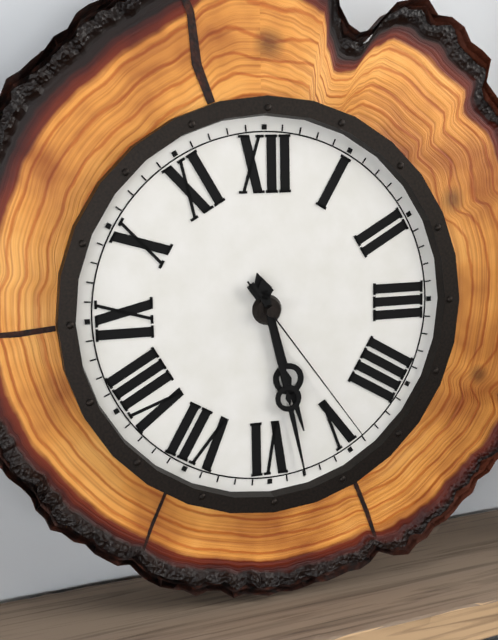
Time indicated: 5h28m24s
